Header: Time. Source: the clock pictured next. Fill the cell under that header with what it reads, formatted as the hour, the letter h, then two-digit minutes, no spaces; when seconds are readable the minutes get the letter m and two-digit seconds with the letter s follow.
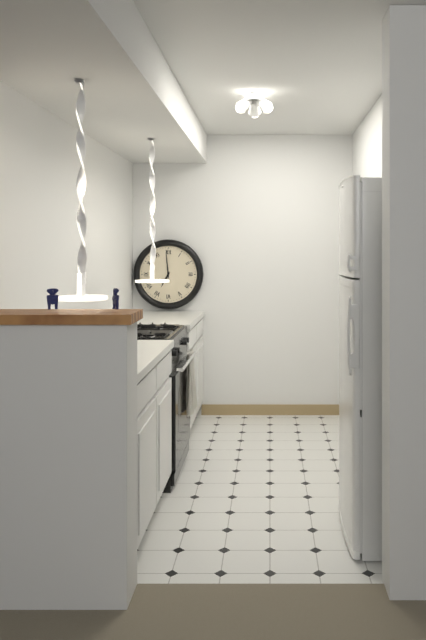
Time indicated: 6h59
